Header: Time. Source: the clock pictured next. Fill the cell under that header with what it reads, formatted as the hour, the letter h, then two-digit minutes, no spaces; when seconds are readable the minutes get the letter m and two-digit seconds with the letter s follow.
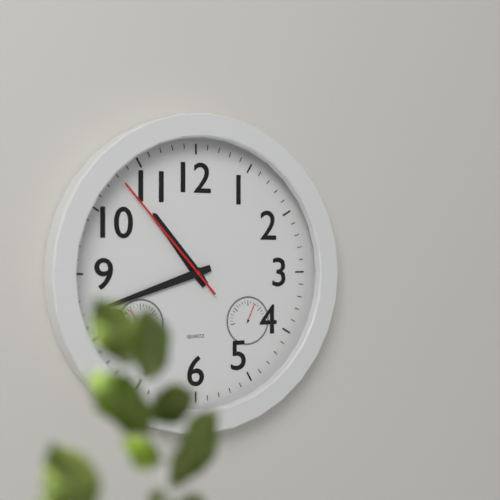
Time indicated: 10h42m53s
